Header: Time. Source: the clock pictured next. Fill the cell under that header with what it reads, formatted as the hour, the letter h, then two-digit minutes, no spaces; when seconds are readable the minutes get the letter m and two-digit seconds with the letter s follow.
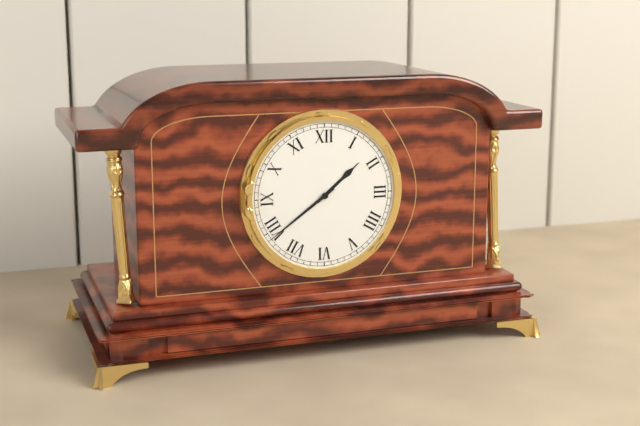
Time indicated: 1h39
